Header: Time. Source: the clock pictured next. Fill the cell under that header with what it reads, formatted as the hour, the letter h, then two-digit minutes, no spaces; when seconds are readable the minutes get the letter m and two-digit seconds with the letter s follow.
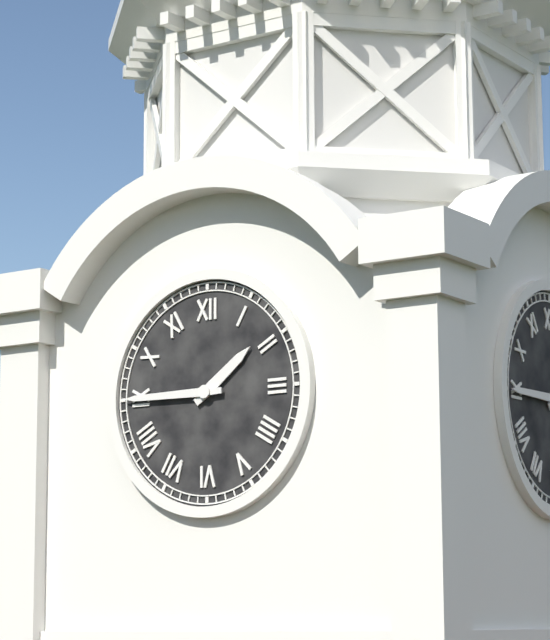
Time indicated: 1h45
